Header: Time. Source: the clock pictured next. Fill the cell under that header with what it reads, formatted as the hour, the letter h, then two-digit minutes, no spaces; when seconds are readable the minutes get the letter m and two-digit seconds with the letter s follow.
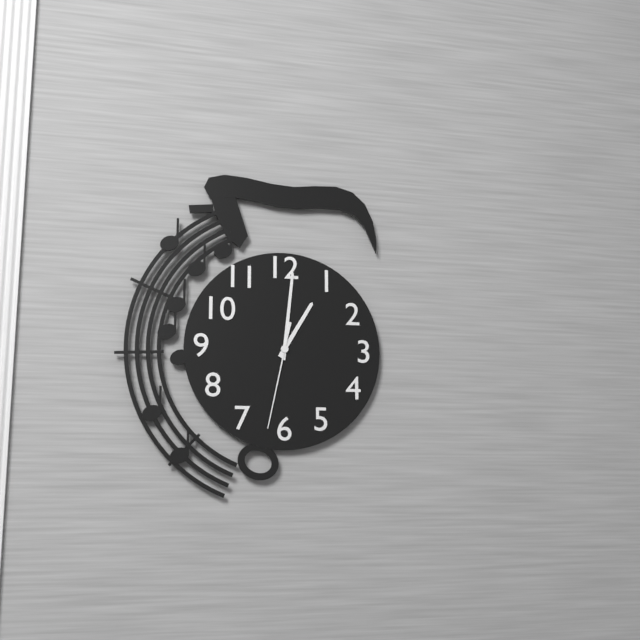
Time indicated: 1h01m32s
